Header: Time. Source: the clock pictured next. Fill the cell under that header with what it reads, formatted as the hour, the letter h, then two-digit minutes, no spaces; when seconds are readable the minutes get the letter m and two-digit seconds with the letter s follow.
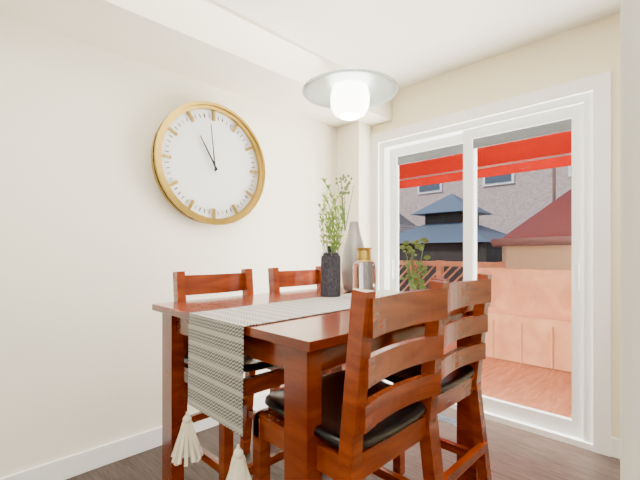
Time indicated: 10h59
